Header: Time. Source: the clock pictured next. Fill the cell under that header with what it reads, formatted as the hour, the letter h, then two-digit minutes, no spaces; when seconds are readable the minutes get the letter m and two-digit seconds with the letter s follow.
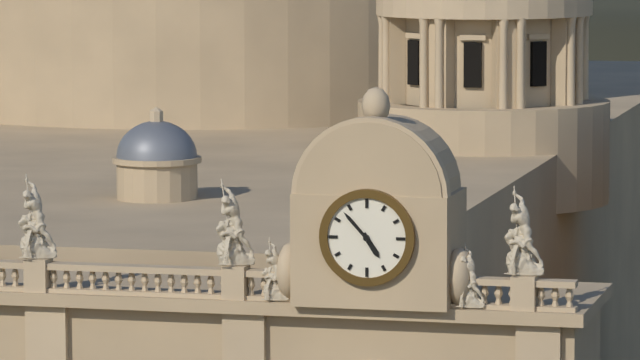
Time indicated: 4h53
